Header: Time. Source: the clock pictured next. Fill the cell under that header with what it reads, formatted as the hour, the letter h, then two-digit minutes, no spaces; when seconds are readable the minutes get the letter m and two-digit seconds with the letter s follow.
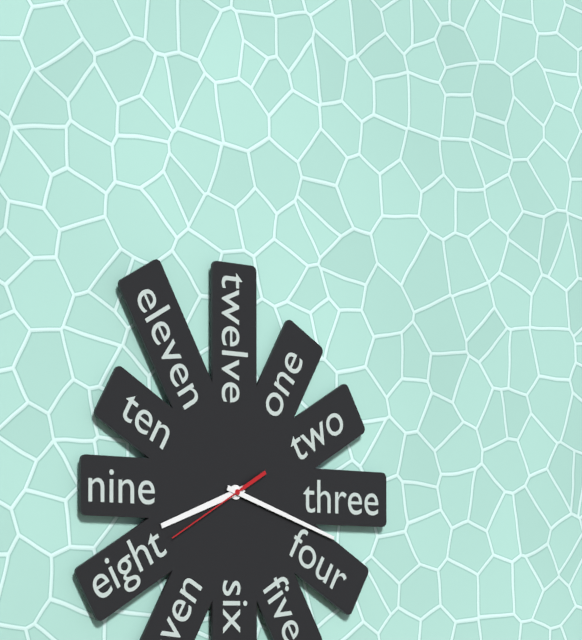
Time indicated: 8h18m40s
